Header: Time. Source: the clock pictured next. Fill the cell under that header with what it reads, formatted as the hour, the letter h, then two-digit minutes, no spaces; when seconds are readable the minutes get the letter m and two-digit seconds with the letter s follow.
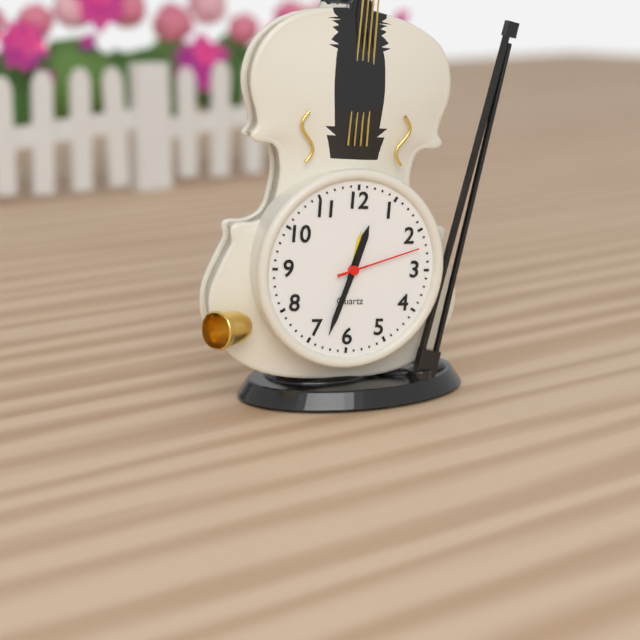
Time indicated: 12h33m12s
